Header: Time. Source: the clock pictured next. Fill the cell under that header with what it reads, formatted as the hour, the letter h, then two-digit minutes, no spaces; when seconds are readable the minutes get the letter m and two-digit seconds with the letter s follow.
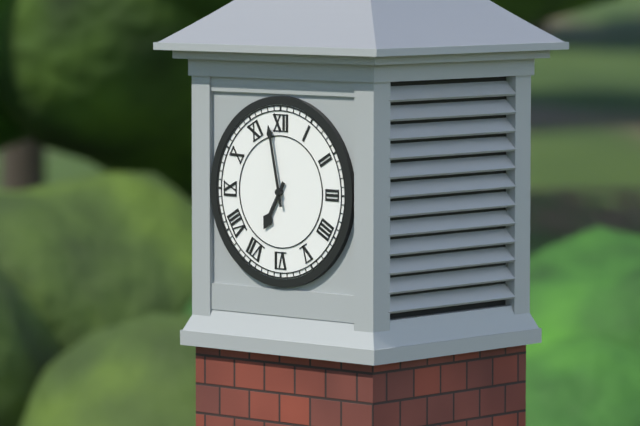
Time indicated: 6h58
